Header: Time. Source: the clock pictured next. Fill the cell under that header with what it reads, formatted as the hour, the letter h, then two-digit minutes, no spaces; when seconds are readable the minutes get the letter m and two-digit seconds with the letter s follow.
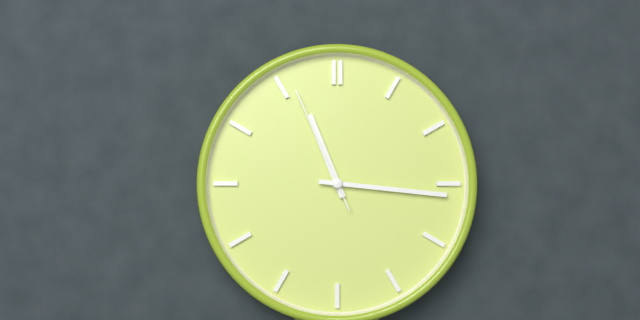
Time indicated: 11h16m56s
